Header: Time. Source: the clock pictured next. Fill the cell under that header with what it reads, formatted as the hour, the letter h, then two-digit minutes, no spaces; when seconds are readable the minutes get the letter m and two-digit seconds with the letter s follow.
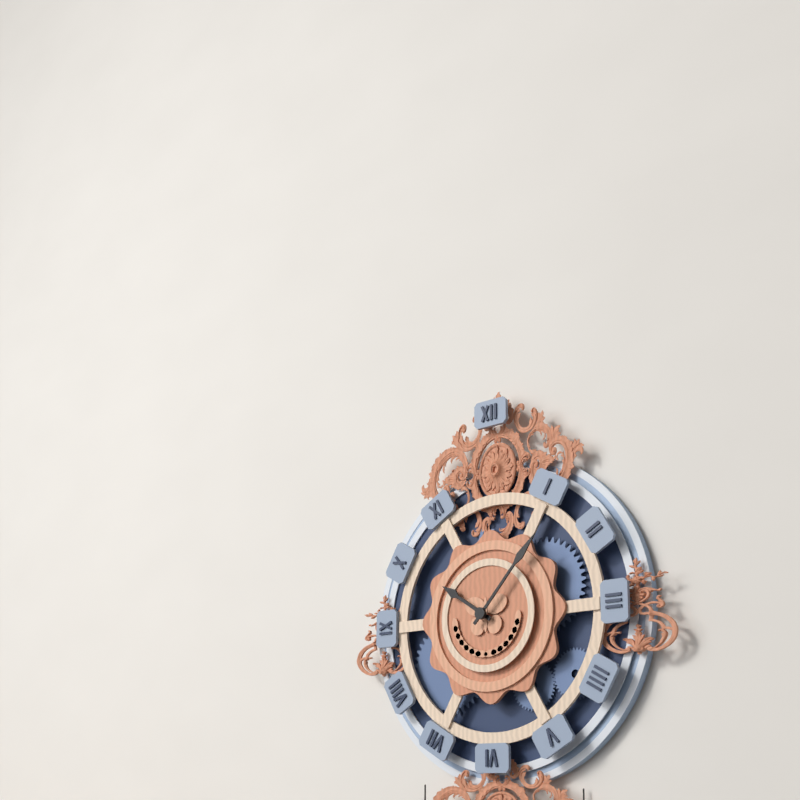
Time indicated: 10h07
